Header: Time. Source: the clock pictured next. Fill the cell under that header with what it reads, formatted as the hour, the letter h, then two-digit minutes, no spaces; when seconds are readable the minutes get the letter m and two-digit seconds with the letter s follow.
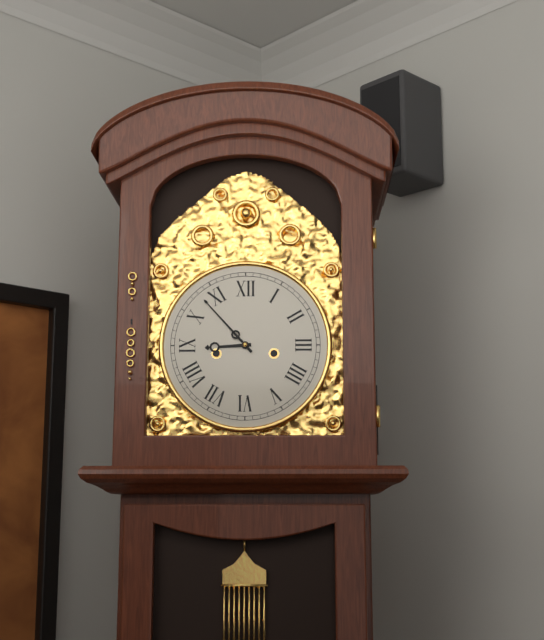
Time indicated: 8h53
